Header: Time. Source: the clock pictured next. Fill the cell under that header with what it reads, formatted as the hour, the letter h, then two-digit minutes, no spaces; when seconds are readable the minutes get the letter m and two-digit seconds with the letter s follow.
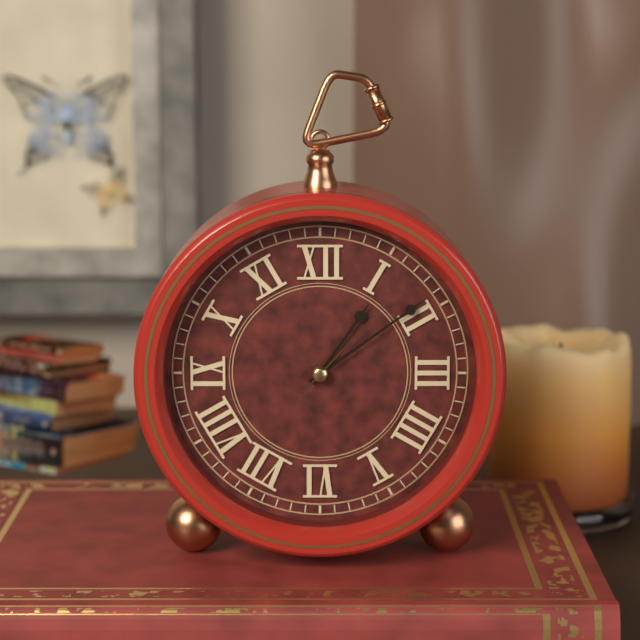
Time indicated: 1h09m07s
